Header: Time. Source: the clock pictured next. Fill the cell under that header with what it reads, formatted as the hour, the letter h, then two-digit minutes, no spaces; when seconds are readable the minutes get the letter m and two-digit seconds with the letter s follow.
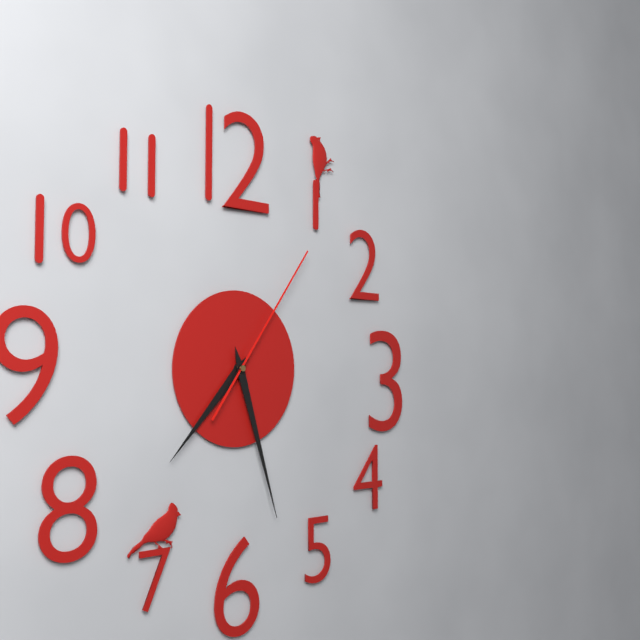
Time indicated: 7h27m06s
